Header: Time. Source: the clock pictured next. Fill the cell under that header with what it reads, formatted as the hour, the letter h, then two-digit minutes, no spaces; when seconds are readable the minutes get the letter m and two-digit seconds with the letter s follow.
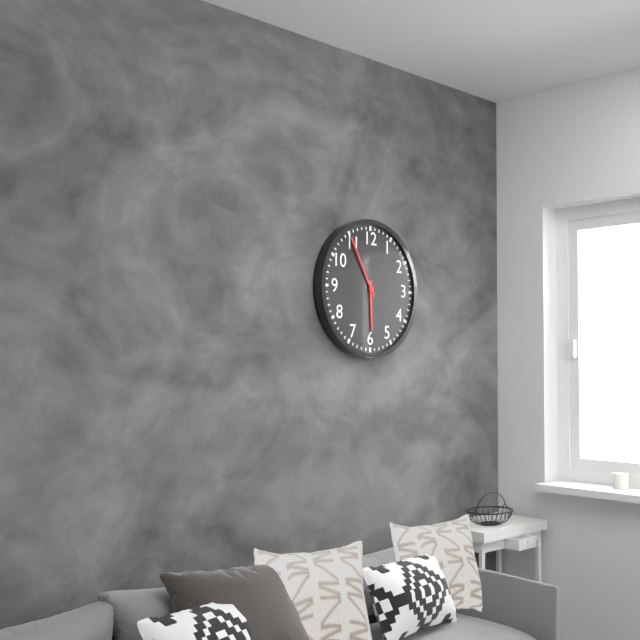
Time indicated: 5h55
